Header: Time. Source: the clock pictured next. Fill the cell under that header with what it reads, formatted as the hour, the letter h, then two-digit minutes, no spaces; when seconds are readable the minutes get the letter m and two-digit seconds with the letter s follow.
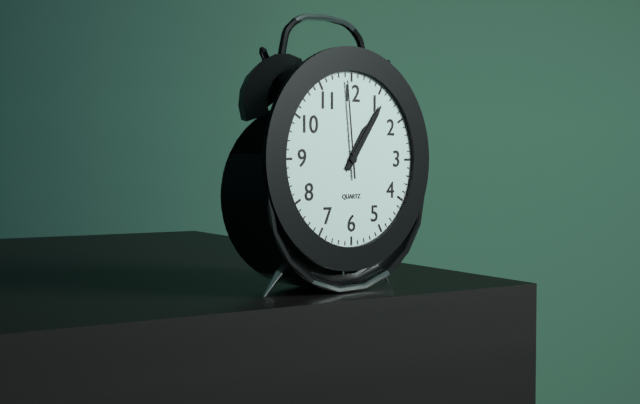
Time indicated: 1h06m59s
